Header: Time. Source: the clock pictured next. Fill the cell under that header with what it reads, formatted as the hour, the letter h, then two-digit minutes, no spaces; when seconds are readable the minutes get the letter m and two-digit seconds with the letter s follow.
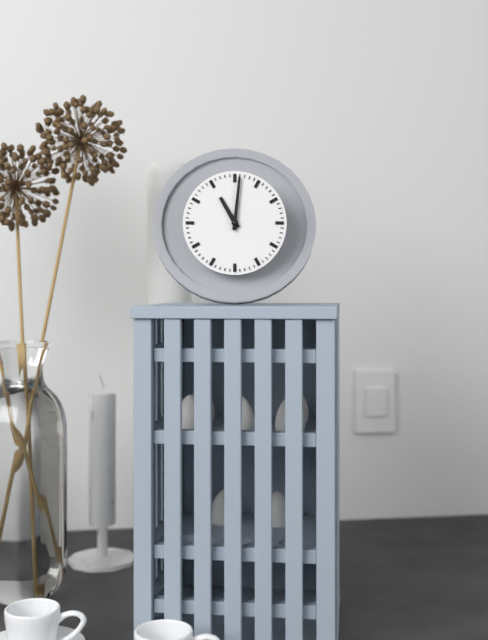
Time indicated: 11h01
